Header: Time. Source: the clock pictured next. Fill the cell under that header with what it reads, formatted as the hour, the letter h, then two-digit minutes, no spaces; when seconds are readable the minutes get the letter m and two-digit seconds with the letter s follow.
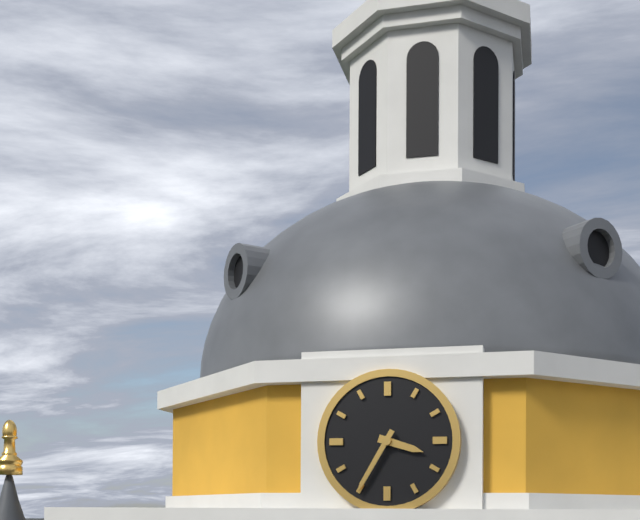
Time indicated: 3h35
